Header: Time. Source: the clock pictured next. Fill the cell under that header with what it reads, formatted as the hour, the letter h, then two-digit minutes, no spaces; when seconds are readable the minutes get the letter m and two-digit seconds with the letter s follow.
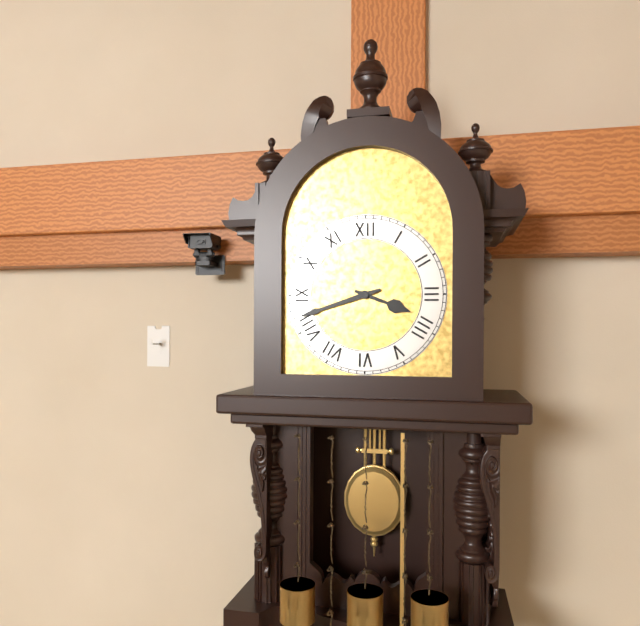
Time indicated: 3h42
